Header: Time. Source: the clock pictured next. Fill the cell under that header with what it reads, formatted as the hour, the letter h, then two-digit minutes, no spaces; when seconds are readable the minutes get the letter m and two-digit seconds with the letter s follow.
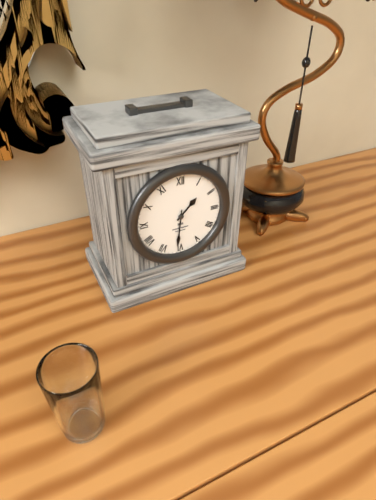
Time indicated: 1h31
